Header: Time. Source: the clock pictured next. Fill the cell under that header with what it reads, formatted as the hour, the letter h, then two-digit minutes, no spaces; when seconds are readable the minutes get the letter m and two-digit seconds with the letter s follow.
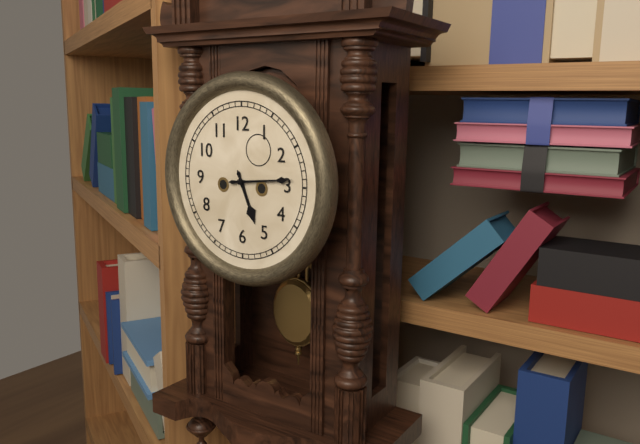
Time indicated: 5h14
